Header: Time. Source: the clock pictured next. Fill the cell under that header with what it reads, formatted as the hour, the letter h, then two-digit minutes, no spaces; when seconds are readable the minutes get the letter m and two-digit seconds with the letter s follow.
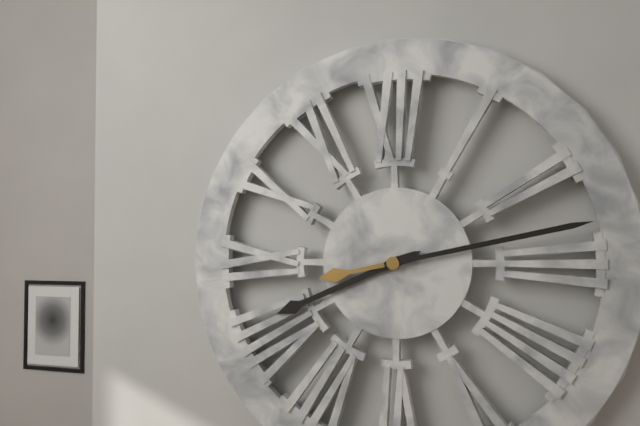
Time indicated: 8h13
